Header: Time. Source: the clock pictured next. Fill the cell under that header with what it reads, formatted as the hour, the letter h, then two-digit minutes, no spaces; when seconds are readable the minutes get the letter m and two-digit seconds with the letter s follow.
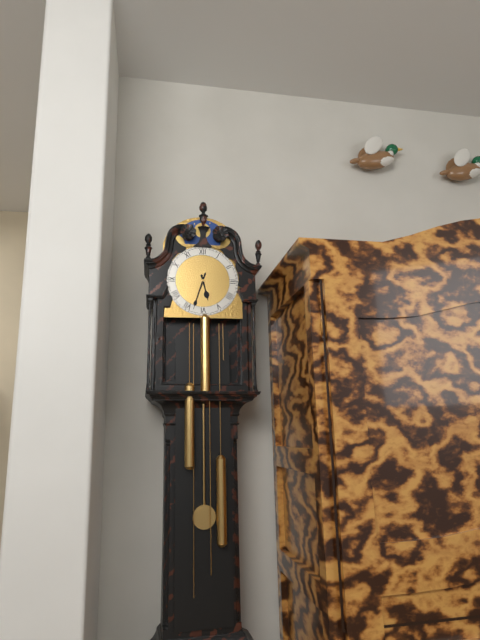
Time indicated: 5h33
